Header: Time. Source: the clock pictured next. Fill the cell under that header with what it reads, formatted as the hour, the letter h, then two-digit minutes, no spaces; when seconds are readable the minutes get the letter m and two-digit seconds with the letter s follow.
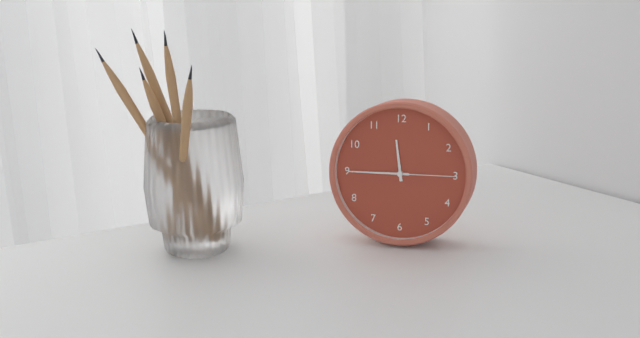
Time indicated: 11h45m15s
